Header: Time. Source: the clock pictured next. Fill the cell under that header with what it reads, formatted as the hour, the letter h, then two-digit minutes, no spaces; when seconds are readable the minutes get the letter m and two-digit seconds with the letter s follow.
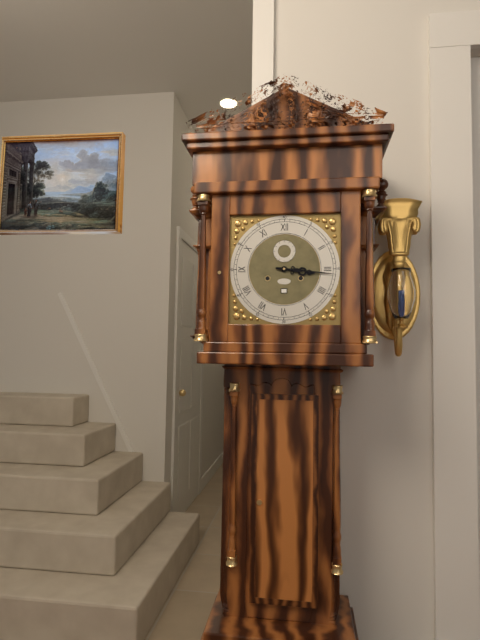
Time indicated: 3h16
